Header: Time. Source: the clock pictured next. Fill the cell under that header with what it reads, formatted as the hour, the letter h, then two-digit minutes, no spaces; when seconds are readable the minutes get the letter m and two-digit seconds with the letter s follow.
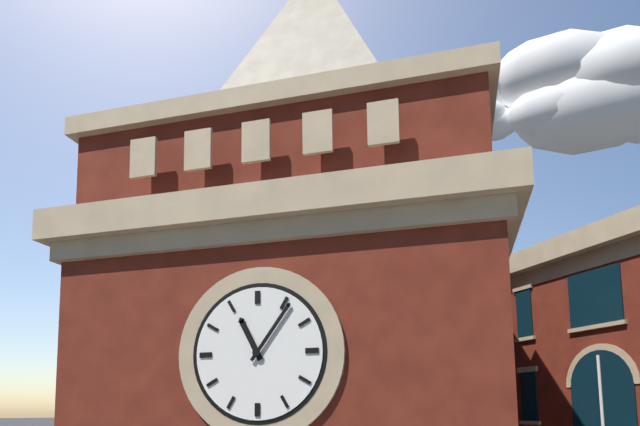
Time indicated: 11h06
